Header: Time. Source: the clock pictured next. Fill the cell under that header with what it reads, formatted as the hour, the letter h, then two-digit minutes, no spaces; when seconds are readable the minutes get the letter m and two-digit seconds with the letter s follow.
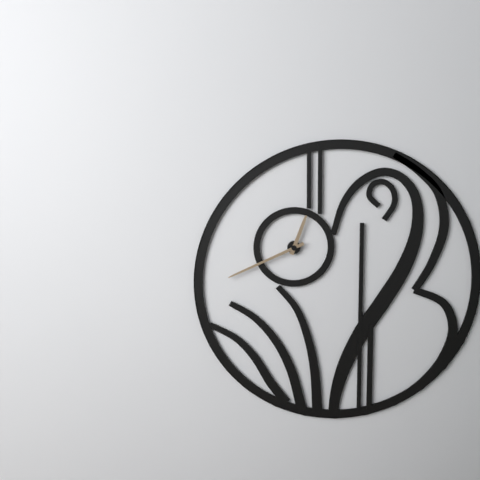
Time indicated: 12h41
